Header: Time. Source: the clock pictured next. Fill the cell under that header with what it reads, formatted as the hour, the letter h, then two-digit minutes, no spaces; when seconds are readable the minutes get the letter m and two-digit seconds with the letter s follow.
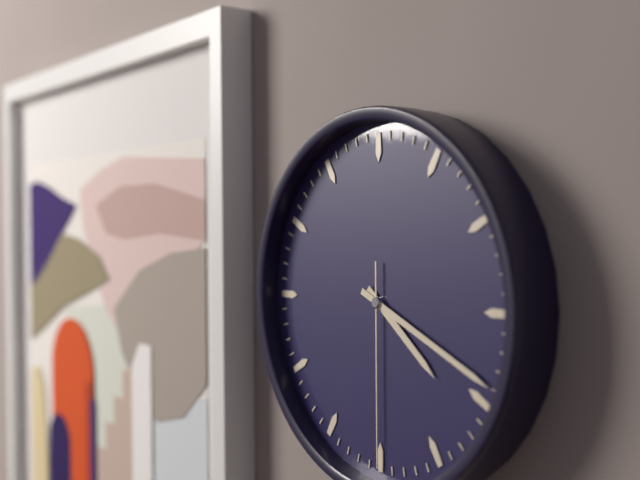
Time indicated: 4h19m30s
